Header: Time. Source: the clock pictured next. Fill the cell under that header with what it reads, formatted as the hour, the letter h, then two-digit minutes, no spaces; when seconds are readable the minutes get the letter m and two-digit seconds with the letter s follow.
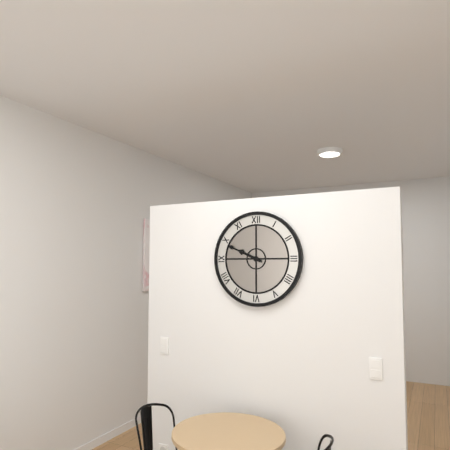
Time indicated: 9h49
